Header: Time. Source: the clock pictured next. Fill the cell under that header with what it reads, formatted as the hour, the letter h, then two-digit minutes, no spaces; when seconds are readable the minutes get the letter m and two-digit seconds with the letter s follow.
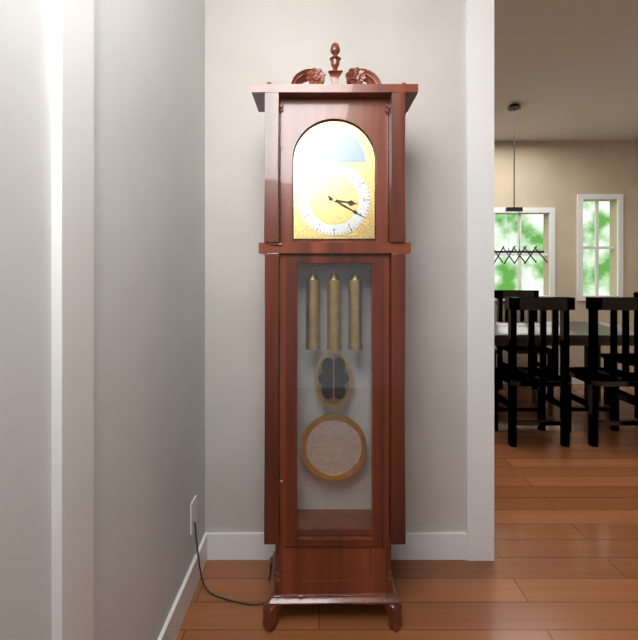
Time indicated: 3h20
